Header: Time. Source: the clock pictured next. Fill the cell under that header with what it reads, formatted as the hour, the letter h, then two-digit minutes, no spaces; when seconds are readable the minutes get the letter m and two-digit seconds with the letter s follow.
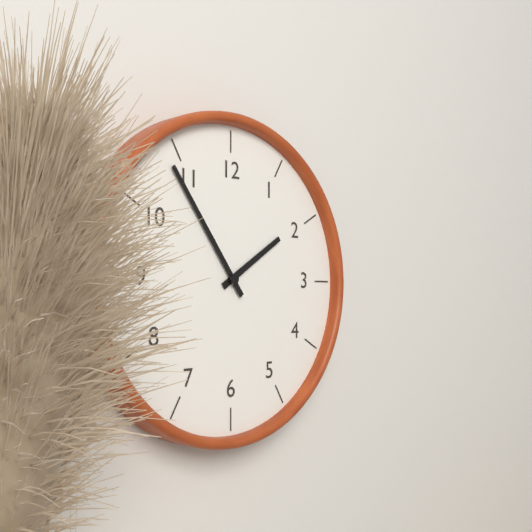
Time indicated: 1h54
